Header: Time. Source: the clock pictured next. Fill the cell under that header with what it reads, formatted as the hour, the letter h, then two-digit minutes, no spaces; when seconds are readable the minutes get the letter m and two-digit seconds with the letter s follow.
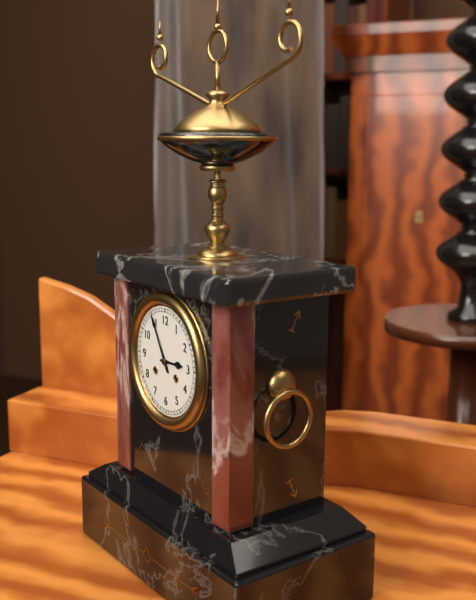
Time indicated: 2h55
